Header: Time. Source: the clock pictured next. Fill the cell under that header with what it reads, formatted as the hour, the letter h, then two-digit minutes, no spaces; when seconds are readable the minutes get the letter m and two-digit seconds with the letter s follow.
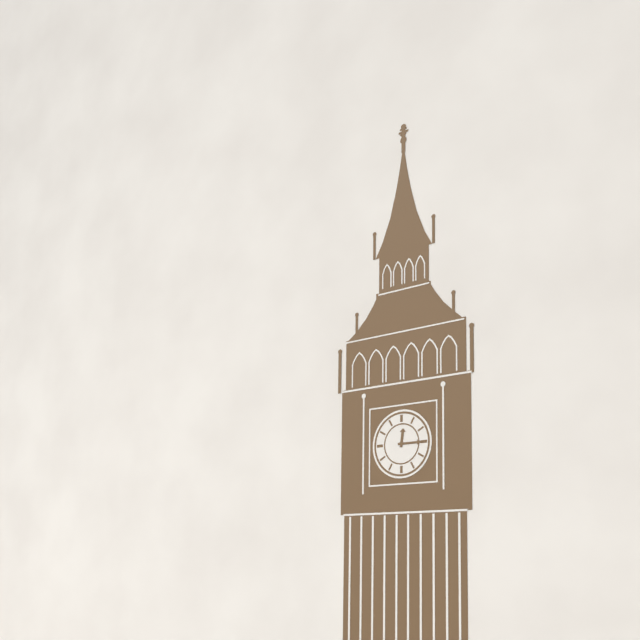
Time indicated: 12h15
